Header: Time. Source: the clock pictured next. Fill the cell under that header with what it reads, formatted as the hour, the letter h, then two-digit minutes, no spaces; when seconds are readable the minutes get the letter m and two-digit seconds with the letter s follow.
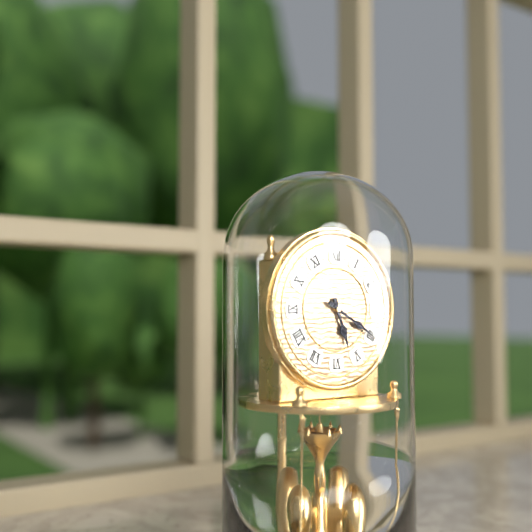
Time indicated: 5h20
